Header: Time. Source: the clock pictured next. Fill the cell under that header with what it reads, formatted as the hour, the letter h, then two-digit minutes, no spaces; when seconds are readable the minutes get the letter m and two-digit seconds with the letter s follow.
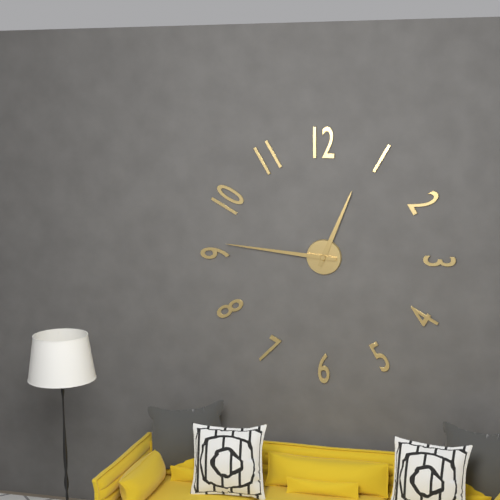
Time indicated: 12h46
